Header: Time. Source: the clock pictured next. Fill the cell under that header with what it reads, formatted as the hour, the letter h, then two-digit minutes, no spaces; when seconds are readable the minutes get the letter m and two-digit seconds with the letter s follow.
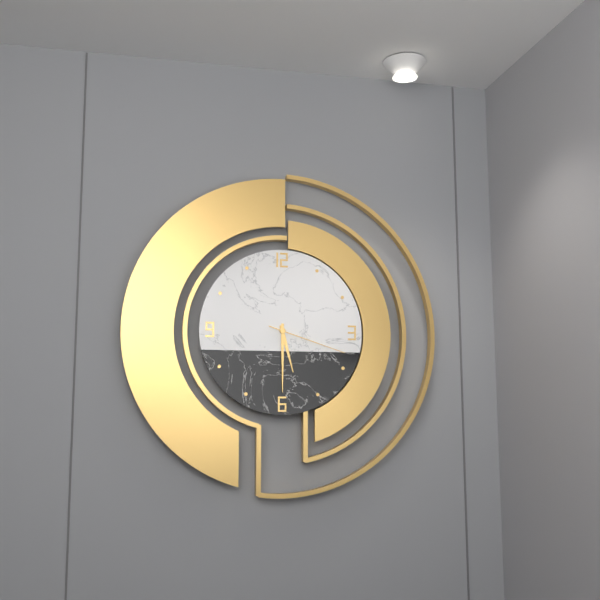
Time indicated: 5h30m18s
